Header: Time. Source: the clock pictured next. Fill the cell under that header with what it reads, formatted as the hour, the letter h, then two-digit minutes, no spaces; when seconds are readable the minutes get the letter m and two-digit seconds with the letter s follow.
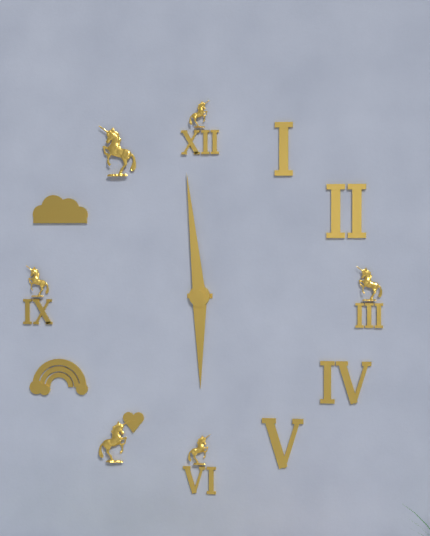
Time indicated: 5h59
